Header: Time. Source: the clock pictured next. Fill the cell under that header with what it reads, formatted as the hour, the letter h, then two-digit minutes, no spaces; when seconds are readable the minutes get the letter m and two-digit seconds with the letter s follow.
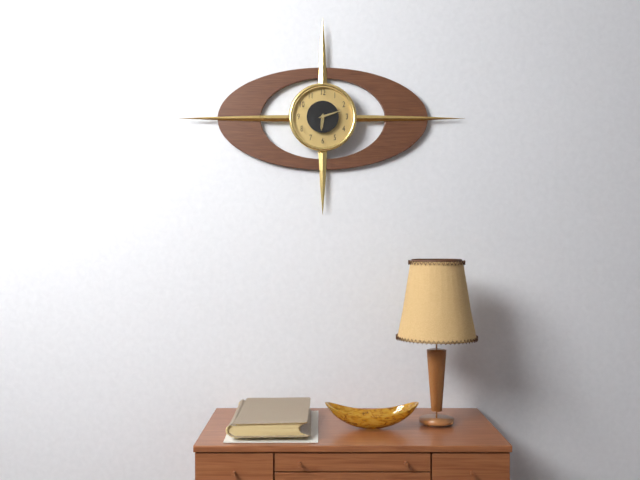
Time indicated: 6h12
